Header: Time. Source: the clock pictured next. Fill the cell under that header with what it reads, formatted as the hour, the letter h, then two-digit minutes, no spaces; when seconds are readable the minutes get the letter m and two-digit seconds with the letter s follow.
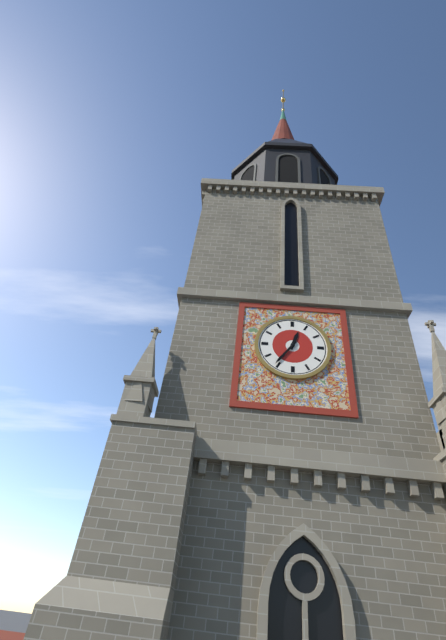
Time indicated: 12h36
